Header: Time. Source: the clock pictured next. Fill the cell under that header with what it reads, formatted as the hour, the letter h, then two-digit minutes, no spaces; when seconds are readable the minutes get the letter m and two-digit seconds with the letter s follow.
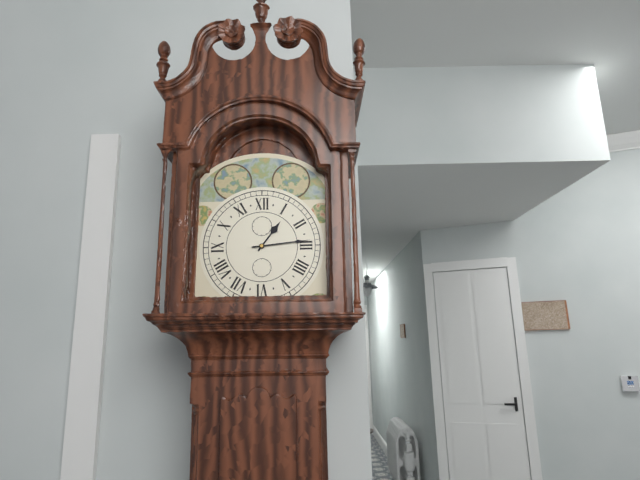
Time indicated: 1h14
